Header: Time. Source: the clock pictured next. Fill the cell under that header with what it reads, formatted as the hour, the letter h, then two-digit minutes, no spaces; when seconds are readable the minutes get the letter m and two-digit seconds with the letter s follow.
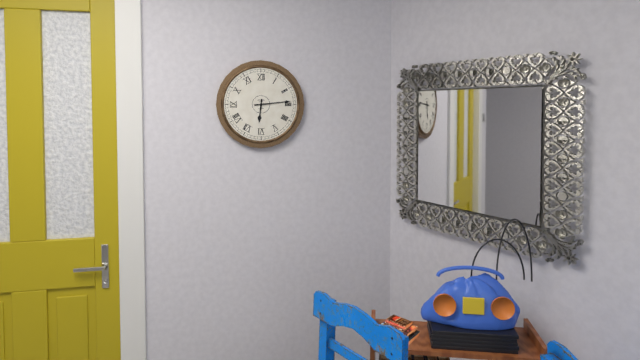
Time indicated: 6h14
